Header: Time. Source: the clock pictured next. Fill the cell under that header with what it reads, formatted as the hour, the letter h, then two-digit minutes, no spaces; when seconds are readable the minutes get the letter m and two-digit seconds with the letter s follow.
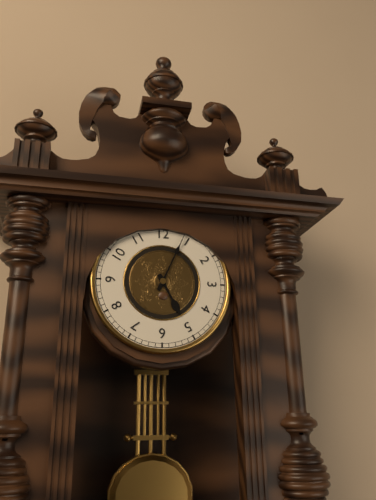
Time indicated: 5h04
